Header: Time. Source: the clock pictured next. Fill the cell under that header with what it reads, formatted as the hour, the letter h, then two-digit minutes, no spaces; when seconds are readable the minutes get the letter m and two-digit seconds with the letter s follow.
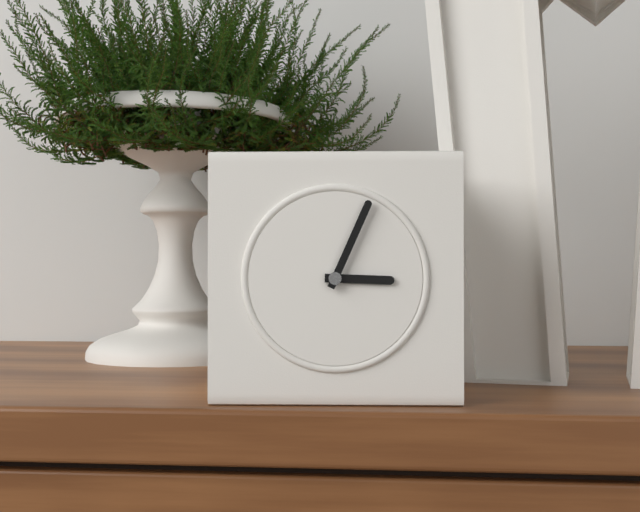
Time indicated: 3h04
